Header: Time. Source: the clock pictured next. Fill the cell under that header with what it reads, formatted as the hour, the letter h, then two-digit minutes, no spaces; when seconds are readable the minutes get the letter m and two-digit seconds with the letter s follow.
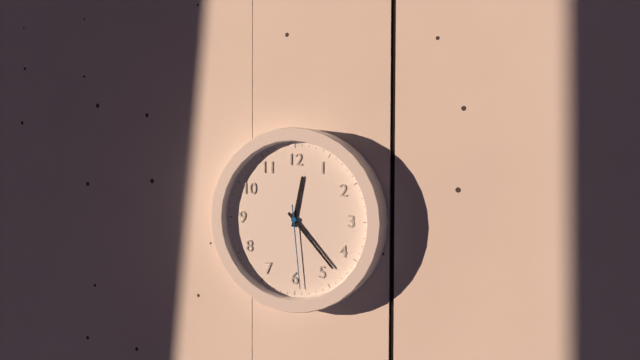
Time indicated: 12h23m29s
